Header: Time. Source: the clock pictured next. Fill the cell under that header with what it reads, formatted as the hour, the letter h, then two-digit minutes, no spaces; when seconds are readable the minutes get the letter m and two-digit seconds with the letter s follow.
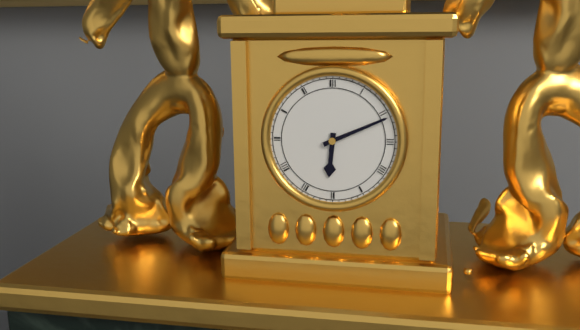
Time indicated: 6h11
